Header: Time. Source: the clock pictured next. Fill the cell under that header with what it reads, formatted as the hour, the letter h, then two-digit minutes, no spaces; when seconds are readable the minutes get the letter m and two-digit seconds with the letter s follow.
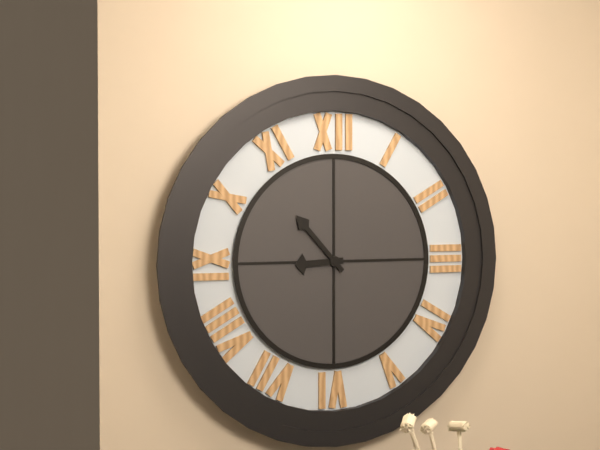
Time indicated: 8h53
